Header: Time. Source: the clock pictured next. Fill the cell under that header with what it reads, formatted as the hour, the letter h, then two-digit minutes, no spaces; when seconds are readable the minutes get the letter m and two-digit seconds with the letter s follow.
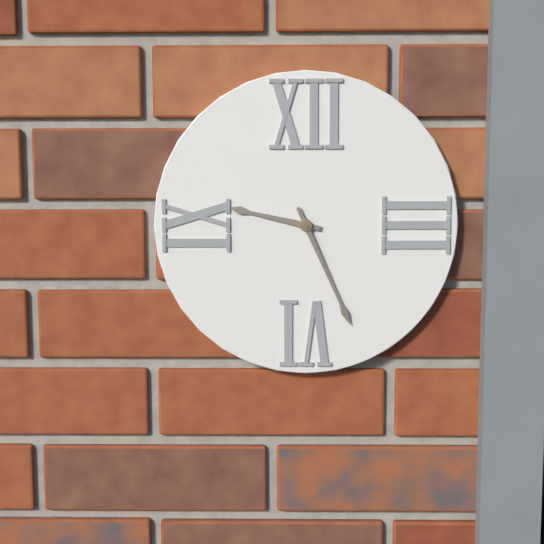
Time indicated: 9h26
